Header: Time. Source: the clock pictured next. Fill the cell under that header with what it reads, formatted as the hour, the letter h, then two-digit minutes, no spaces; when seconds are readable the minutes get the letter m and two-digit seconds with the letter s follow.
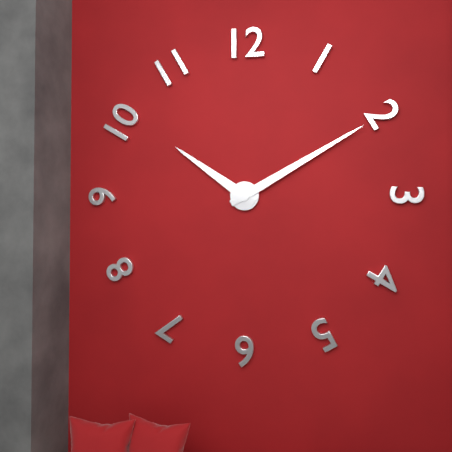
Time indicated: 10h10
